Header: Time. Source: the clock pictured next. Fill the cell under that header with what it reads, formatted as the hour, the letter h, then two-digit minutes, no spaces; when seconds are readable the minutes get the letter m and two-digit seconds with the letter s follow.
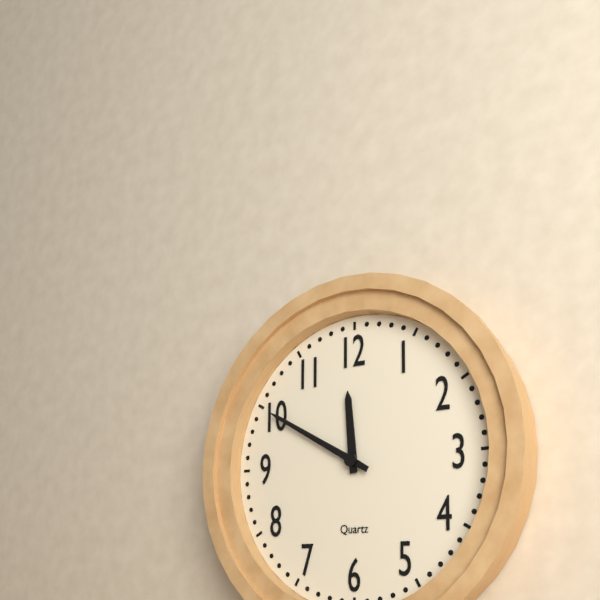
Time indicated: 11h50
